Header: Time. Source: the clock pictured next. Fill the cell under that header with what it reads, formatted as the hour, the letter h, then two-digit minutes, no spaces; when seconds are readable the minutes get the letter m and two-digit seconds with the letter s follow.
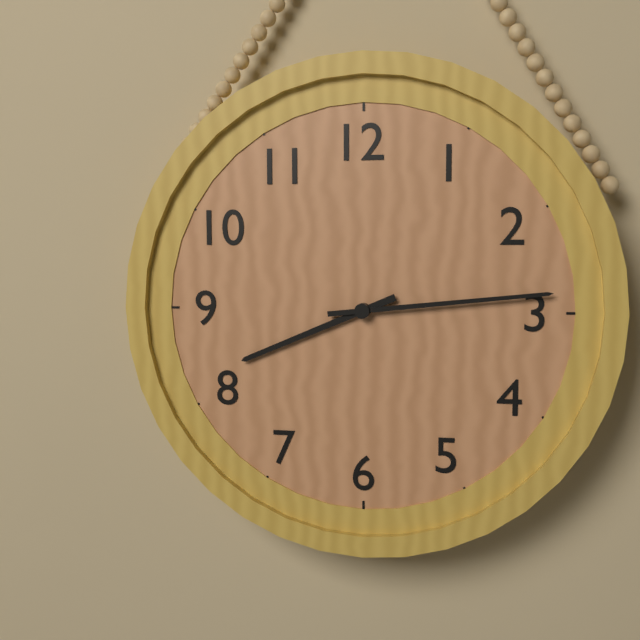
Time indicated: 8h14
